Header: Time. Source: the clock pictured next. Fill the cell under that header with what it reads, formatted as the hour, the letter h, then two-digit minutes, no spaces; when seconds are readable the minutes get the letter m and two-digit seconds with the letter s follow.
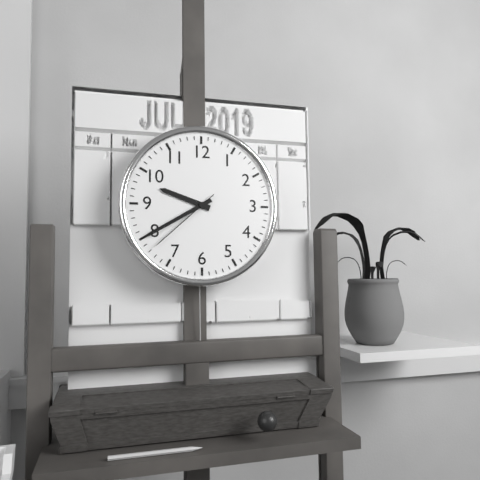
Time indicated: 9h40m38s
